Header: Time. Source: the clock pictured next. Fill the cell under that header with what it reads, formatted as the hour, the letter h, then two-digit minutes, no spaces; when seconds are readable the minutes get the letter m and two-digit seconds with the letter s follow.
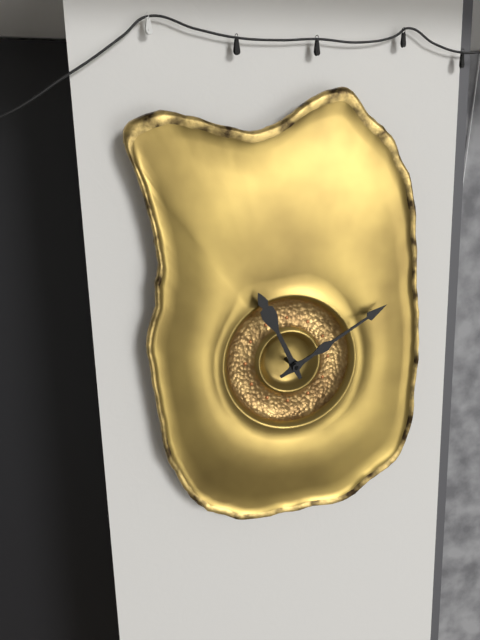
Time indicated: 11h10
